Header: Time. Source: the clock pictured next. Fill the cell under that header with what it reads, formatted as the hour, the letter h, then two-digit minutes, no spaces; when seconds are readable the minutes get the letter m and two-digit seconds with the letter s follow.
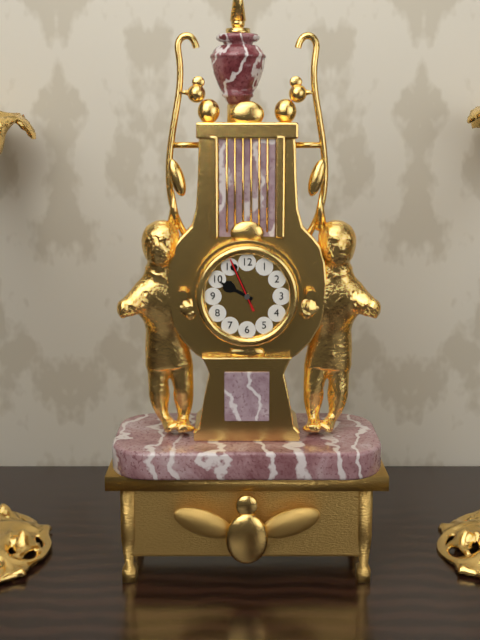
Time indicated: 9h56m56s
